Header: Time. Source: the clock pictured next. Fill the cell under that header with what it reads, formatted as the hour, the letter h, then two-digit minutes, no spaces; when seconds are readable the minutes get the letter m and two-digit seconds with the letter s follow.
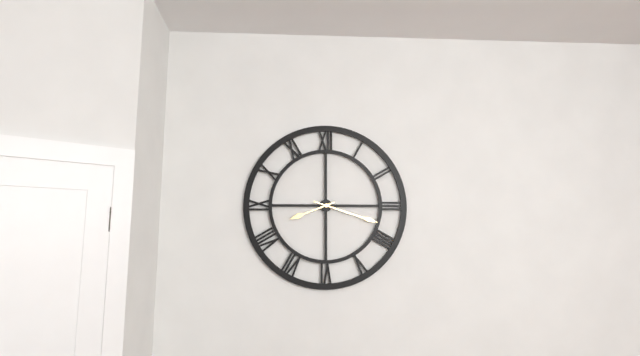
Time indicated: 8h18
